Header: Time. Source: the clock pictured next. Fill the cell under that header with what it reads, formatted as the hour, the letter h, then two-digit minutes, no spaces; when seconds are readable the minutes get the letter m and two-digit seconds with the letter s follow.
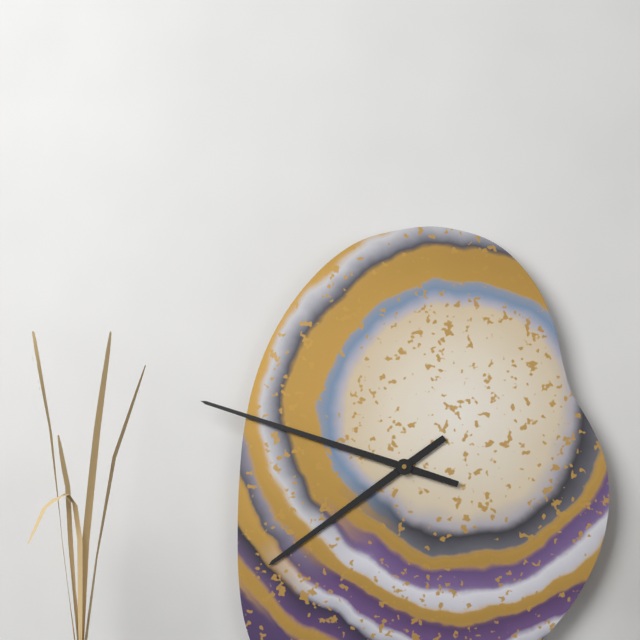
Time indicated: 7h48
